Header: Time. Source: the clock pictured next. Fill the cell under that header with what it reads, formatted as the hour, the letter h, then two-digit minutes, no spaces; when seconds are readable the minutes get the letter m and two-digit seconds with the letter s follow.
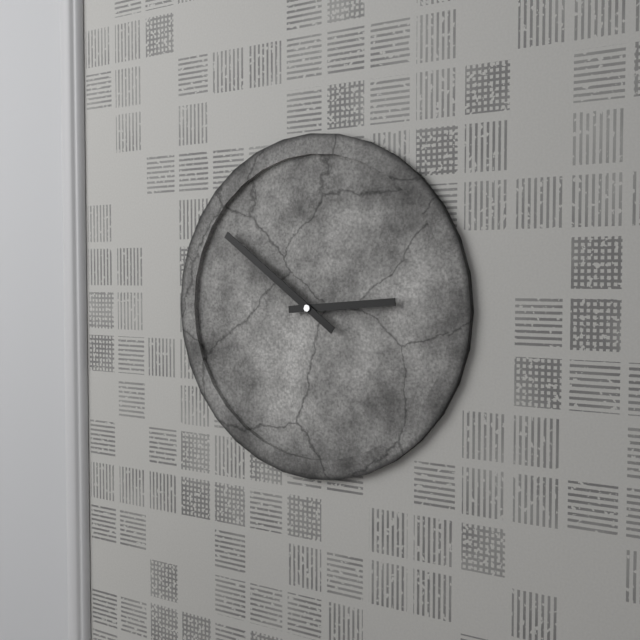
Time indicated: 2h51
